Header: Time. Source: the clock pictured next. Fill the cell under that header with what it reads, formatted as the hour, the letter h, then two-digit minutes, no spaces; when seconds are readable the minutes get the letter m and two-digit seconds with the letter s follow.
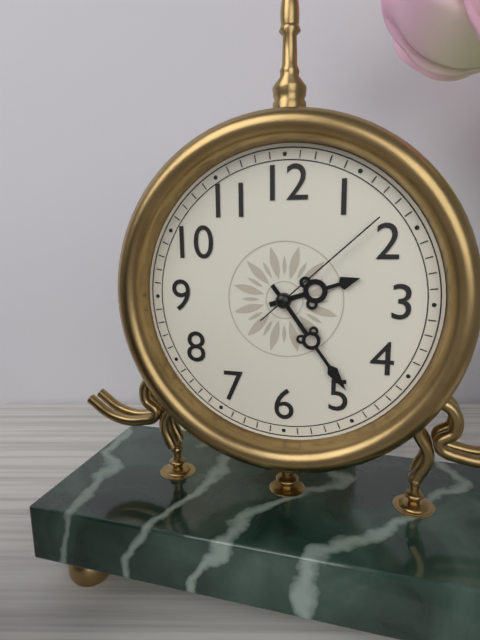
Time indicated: 2h24m08s
